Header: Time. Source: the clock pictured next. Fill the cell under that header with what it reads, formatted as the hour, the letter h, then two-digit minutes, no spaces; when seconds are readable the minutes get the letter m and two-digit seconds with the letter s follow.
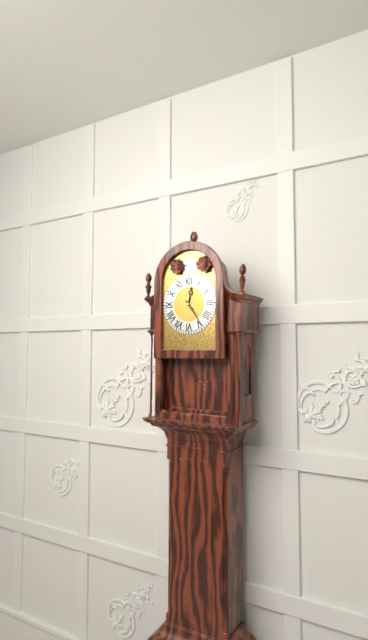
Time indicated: 12h24
